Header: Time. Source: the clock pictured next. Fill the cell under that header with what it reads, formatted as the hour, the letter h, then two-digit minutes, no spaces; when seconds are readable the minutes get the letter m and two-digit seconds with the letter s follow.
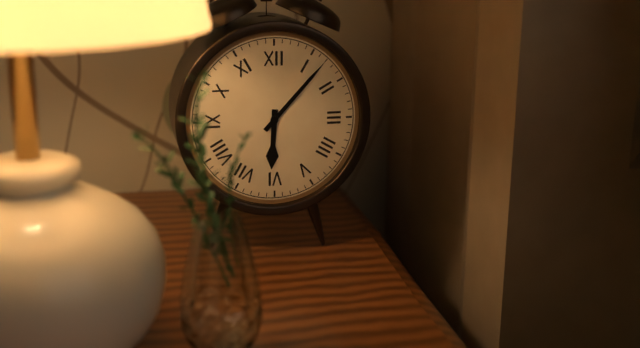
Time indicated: 6h07
